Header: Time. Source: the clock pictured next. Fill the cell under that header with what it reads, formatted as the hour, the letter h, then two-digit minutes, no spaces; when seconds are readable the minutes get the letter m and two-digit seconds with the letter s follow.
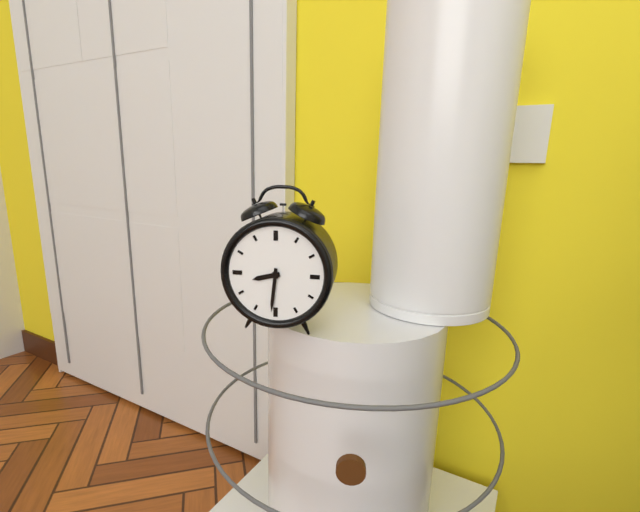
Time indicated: 8h31
